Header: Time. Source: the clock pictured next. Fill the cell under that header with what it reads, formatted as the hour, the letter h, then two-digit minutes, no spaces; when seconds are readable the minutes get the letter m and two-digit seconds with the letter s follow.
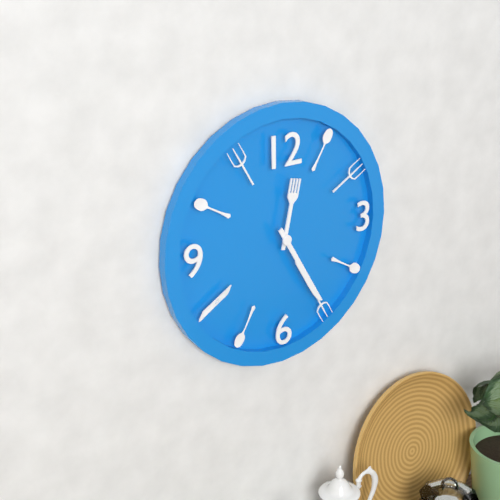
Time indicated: 12h25
